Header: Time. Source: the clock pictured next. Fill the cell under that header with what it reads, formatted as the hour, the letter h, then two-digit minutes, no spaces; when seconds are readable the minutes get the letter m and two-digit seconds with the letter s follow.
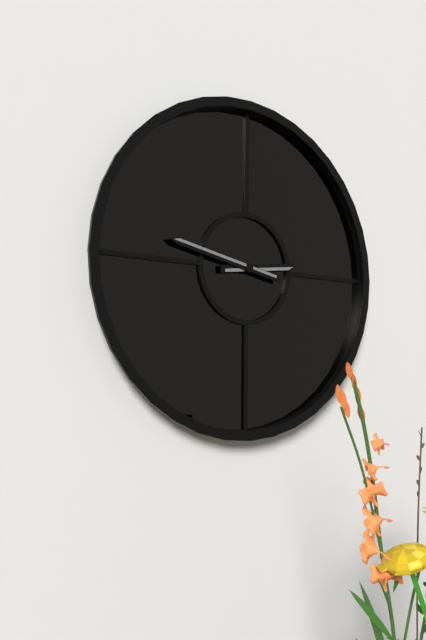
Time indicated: 2h47
